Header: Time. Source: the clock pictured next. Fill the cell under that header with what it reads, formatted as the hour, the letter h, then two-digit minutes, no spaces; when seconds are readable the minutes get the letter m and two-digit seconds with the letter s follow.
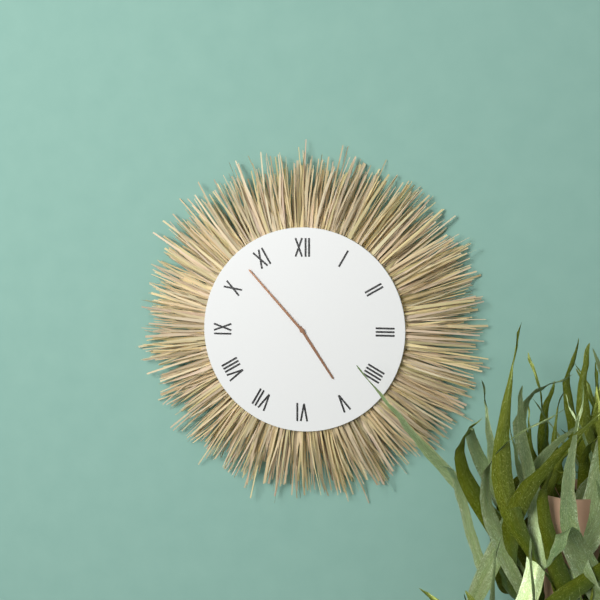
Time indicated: 4h53
